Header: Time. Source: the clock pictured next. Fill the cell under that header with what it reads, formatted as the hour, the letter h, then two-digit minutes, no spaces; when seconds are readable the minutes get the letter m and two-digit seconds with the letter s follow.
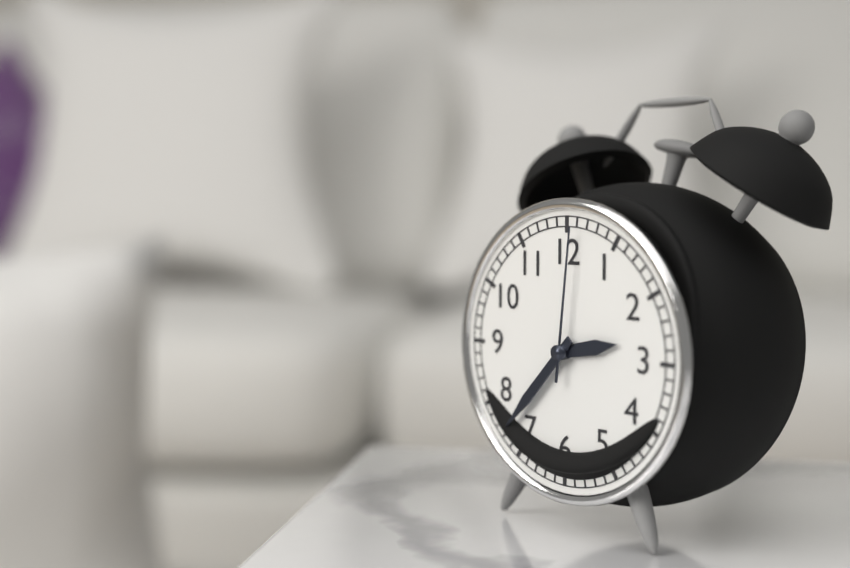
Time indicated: 2h37m01s
